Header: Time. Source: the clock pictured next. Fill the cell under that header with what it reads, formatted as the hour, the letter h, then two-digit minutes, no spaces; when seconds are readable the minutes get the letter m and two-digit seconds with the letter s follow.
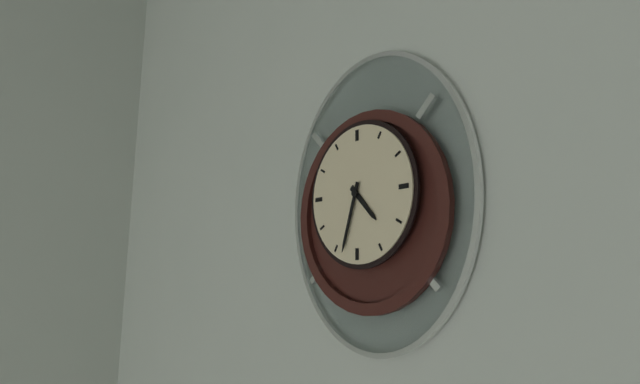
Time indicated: 4h33
